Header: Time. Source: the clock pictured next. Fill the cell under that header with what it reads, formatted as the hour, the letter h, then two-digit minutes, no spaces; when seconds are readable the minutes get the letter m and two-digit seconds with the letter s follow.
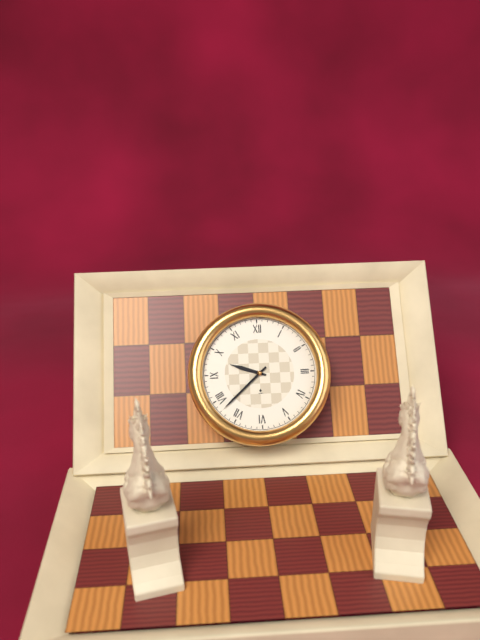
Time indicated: 9h38
